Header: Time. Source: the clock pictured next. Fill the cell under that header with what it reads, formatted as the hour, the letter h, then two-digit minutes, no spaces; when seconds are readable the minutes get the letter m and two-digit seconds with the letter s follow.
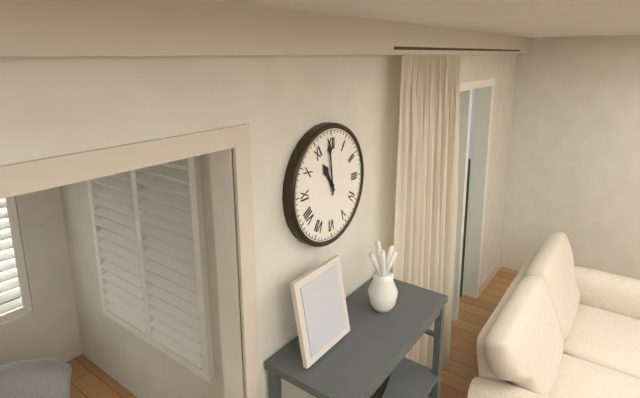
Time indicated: 10h59
